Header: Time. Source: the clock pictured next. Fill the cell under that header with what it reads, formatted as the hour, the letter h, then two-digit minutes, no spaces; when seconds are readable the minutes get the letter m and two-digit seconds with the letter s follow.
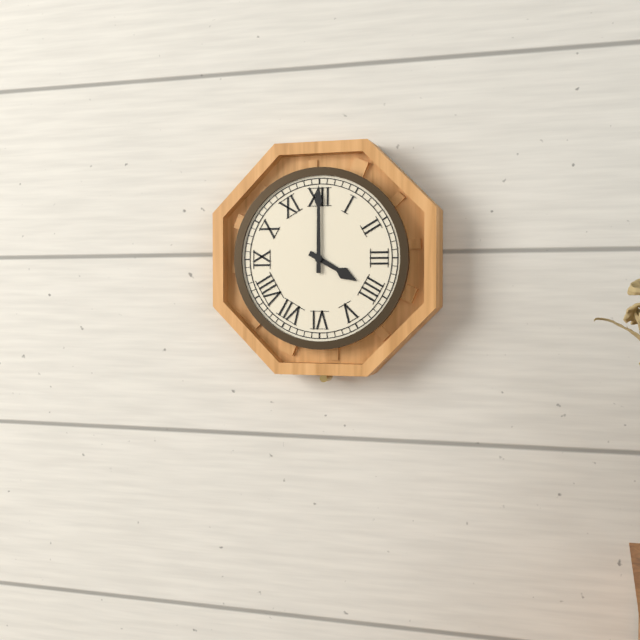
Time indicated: 4h00
